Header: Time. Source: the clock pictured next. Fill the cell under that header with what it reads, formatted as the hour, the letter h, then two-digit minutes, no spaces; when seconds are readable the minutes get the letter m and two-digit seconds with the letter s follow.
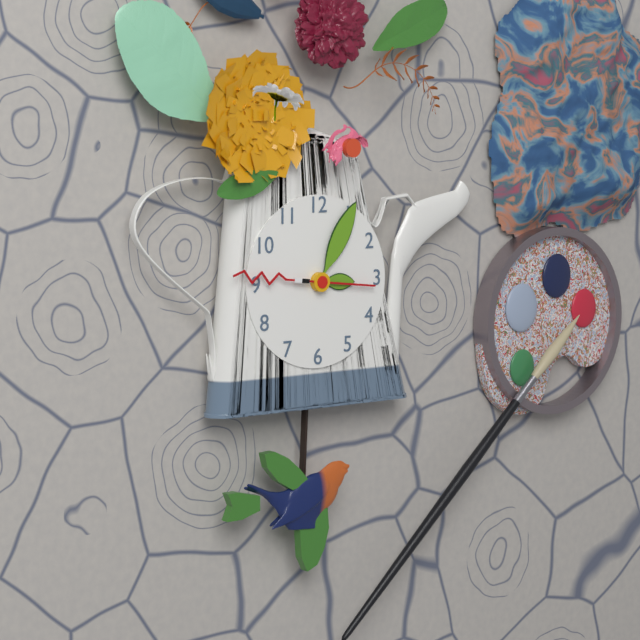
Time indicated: 3h05m46s
